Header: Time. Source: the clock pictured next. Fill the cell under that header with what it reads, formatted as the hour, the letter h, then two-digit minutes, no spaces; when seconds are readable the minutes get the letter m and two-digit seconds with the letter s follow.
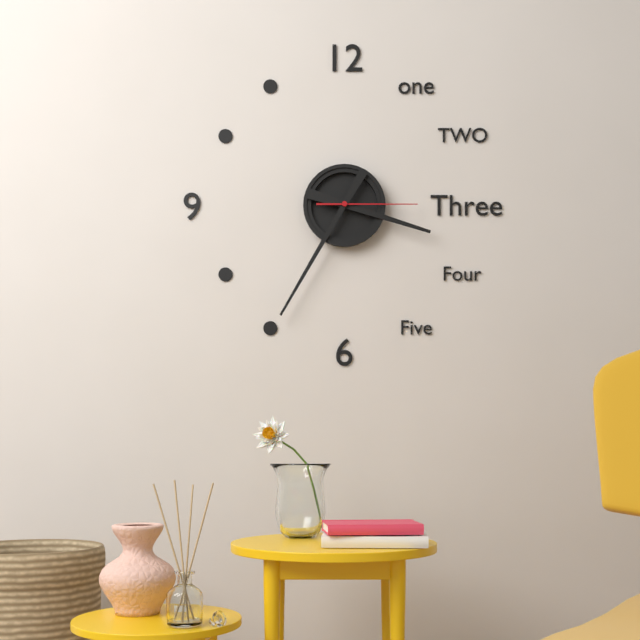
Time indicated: 3h35m15s
